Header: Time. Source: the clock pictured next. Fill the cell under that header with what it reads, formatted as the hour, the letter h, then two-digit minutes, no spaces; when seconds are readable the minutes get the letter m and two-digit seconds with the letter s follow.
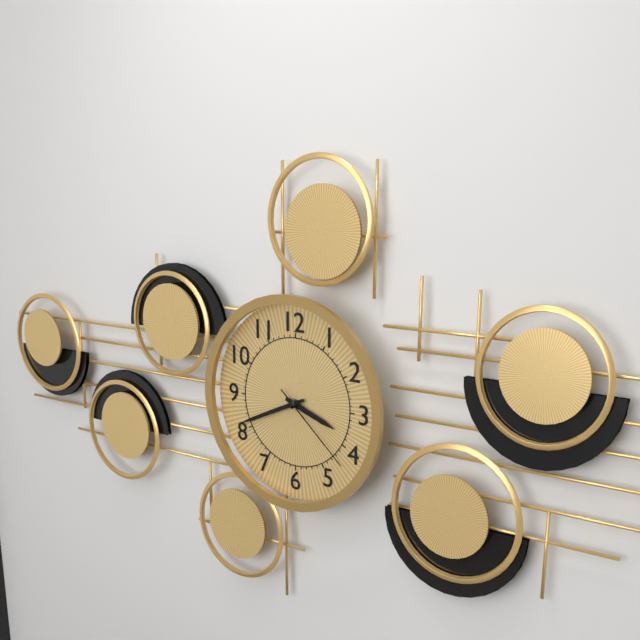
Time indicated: 3h41m22s
